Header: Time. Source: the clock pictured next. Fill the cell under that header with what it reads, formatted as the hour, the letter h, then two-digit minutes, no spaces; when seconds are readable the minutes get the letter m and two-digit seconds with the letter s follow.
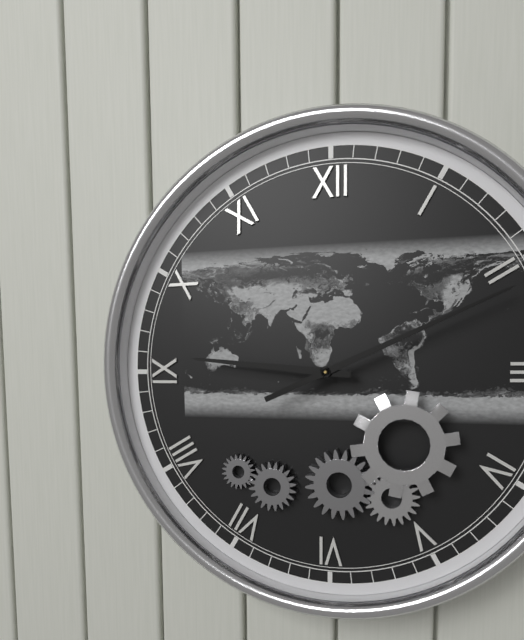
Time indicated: 9h11
